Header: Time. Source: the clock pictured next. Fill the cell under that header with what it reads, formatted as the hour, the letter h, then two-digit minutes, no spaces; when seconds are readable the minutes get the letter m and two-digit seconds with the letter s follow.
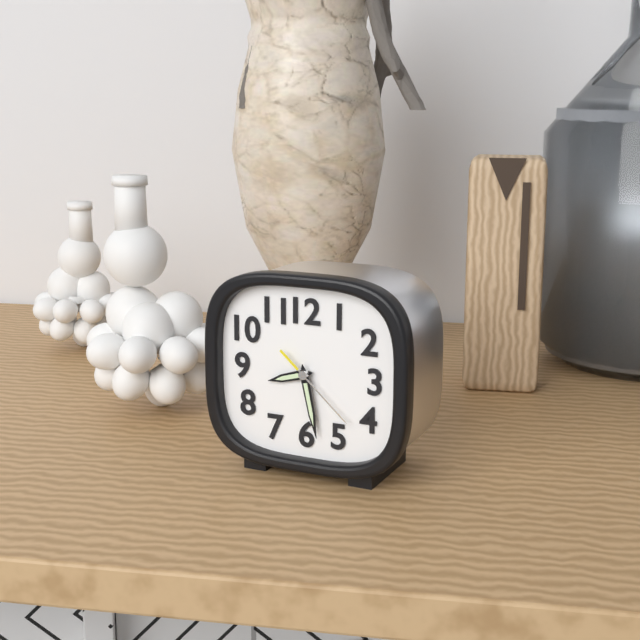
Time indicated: 8h28m22s
